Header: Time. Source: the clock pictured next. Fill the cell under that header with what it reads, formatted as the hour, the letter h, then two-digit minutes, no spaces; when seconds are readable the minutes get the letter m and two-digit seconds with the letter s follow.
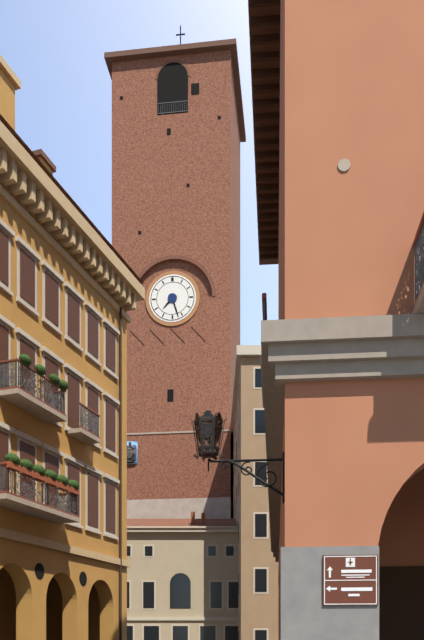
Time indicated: 7h27
